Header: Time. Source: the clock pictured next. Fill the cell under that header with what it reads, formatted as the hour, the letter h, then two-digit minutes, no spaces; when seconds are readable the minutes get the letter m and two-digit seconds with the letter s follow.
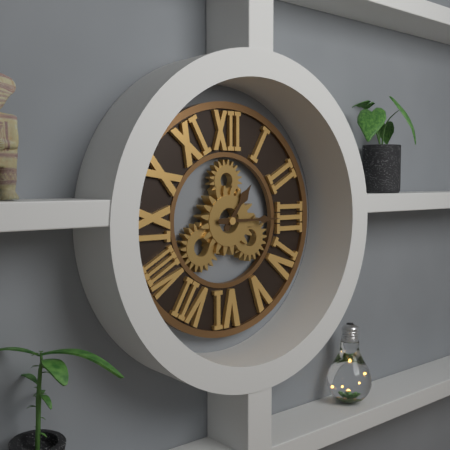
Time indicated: 1h15
